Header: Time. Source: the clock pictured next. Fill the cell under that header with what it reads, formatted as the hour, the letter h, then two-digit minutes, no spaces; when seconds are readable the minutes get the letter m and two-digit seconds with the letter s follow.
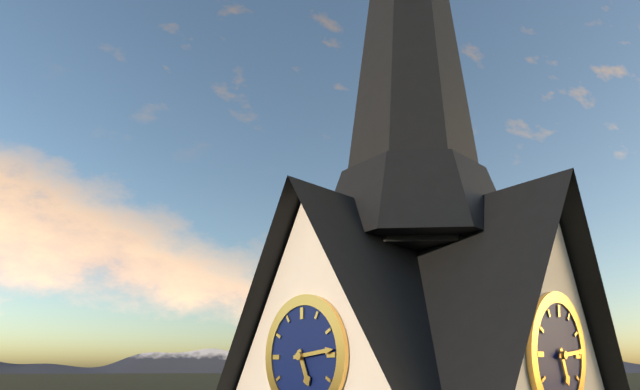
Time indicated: 5h14
